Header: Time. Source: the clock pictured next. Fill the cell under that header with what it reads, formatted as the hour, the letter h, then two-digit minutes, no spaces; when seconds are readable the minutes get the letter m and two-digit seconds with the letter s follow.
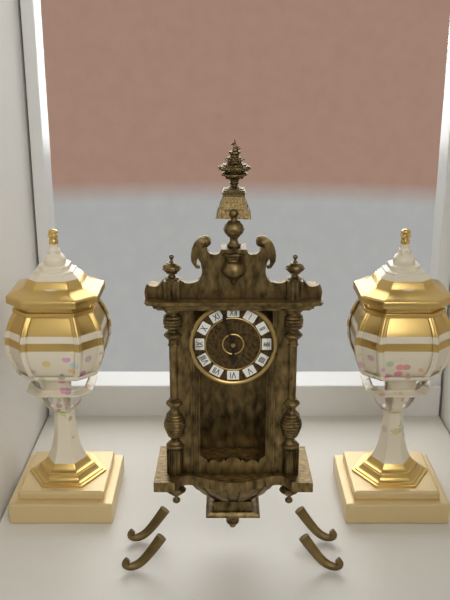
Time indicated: 5h57
